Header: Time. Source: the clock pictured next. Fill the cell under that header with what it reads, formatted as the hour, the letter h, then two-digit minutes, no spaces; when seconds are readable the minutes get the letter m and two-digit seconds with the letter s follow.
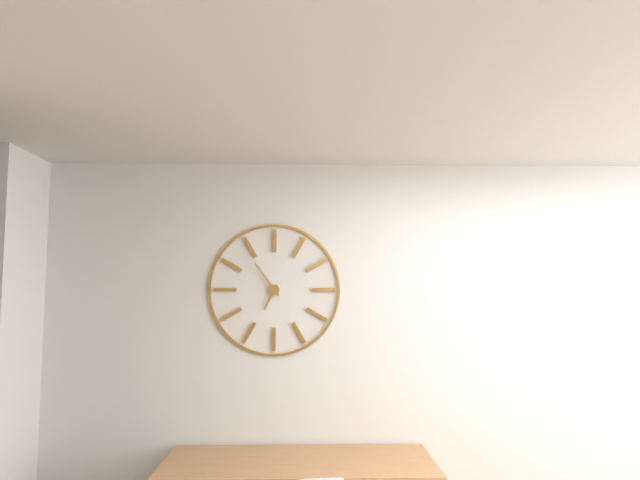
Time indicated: 6h54
